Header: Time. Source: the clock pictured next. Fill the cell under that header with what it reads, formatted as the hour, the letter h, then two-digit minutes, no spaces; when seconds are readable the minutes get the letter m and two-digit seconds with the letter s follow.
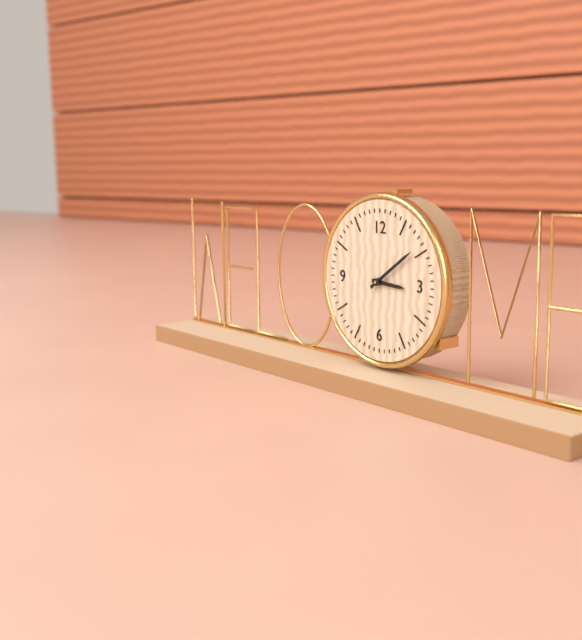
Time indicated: 3h09
